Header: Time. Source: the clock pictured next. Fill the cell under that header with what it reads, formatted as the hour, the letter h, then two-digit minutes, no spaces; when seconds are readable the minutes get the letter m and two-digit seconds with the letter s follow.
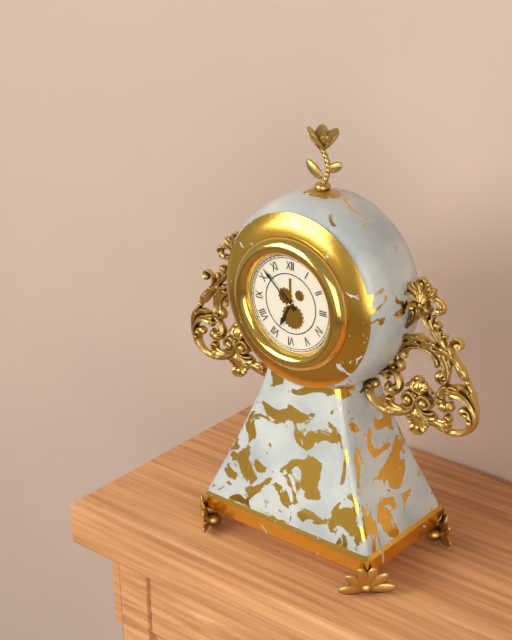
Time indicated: 6h52
